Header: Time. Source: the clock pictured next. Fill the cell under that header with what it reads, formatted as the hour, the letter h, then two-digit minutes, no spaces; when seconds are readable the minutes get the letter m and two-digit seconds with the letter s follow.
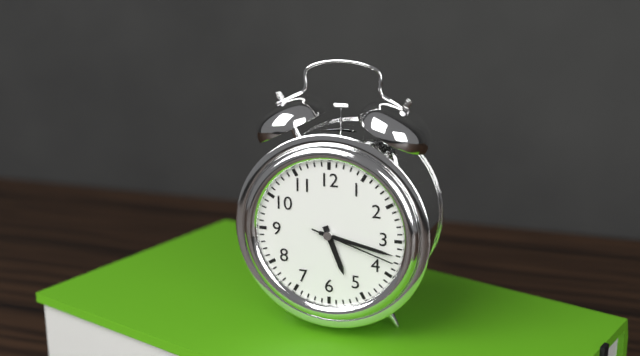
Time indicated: 5h17m18s
